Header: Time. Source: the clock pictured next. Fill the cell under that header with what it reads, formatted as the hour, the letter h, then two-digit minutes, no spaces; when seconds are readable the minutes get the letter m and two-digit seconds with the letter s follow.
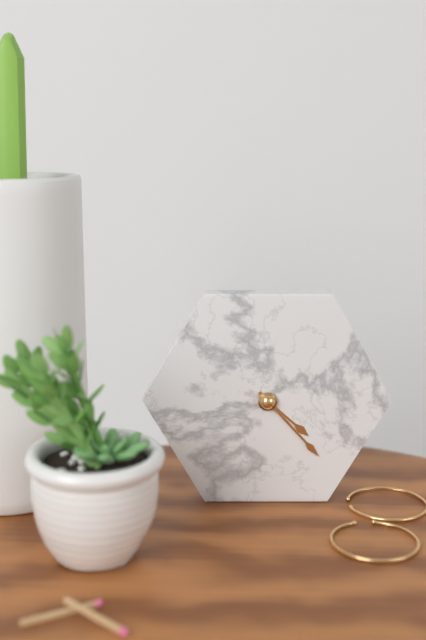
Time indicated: 4h23
